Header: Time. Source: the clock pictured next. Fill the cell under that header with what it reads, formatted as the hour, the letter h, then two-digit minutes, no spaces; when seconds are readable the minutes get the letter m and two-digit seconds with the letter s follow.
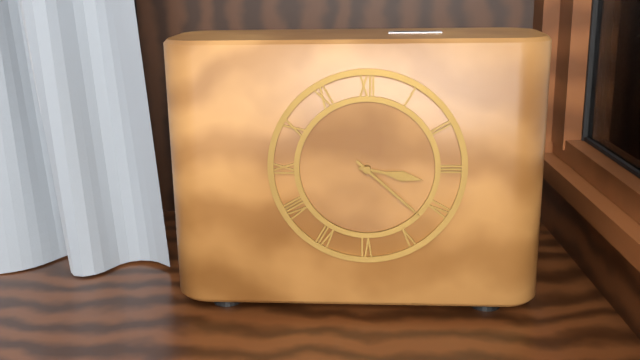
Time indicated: 3h22
